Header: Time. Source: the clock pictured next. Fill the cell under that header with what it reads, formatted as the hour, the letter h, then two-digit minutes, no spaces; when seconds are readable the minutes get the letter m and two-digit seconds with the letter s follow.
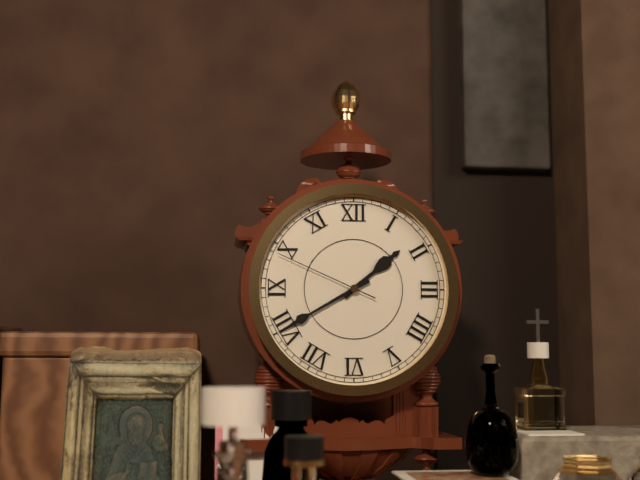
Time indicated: 1h40m49s
